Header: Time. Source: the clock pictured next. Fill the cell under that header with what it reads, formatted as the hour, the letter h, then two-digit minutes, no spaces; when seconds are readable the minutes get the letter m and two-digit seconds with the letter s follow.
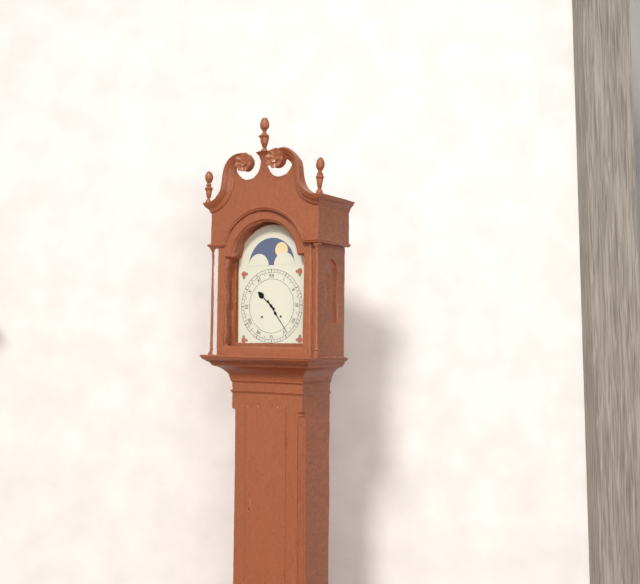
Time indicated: 10h24
